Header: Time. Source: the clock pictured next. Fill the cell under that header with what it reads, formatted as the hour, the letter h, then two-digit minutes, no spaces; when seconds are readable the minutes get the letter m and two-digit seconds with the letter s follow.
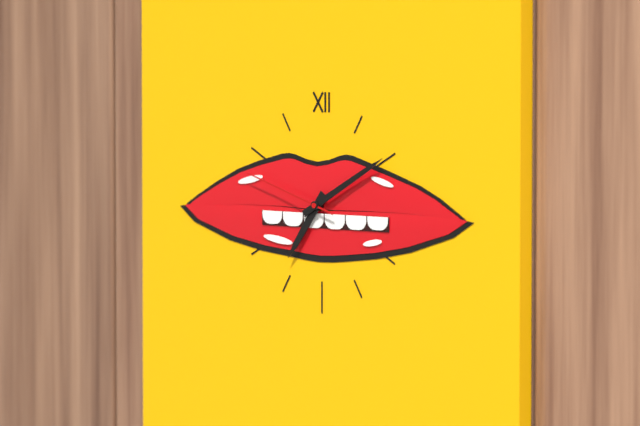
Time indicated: 7h10m48s
